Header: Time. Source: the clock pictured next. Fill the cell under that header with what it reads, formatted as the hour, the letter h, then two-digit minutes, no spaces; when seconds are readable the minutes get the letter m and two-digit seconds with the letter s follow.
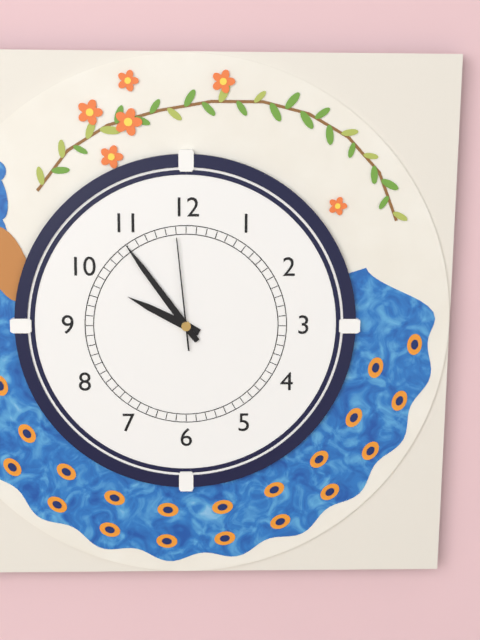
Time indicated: 9h54m59s
